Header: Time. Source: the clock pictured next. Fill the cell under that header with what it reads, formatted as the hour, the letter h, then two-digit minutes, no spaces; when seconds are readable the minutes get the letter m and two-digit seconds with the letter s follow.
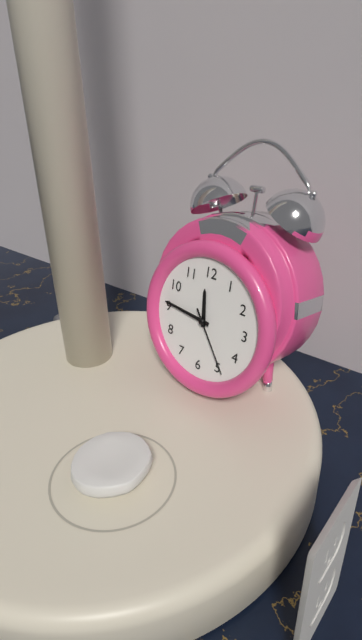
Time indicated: 11h46m24s
